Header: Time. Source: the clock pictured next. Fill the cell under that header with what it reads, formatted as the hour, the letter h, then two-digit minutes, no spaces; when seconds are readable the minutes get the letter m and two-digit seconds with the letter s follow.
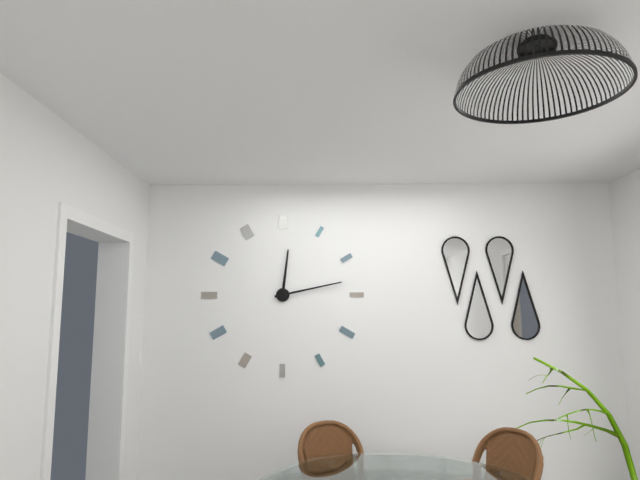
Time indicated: 12h13
